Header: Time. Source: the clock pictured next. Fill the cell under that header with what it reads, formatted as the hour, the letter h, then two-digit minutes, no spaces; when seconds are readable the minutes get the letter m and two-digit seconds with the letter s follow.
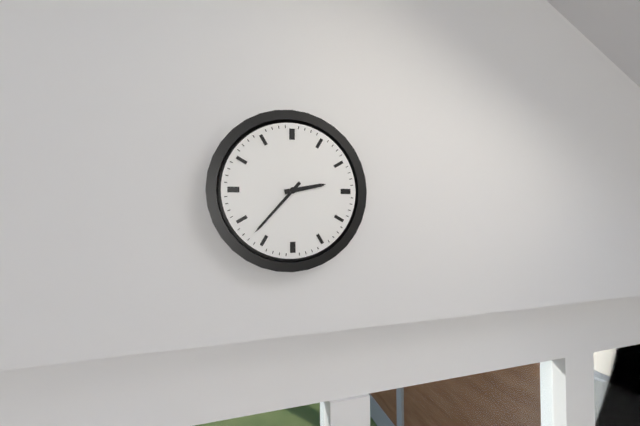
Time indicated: 2h37
